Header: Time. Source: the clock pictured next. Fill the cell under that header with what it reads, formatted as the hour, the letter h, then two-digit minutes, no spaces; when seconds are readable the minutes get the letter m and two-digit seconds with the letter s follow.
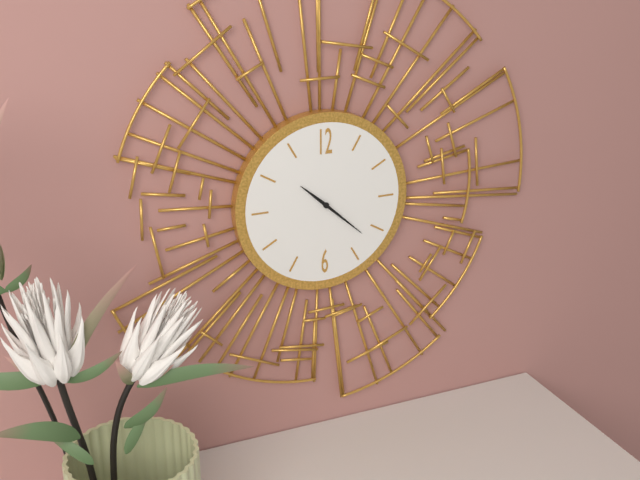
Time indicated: 10h22
